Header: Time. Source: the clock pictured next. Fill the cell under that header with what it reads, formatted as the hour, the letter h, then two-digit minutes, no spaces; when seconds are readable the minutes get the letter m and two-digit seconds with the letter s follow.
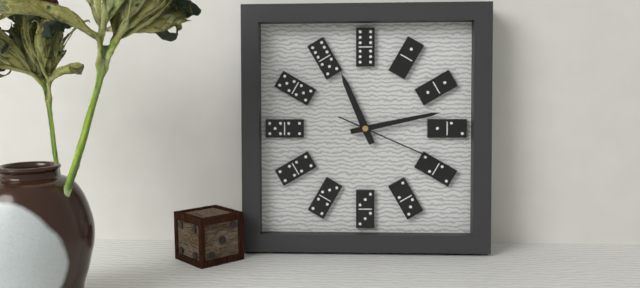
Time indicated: 11h13m19s
